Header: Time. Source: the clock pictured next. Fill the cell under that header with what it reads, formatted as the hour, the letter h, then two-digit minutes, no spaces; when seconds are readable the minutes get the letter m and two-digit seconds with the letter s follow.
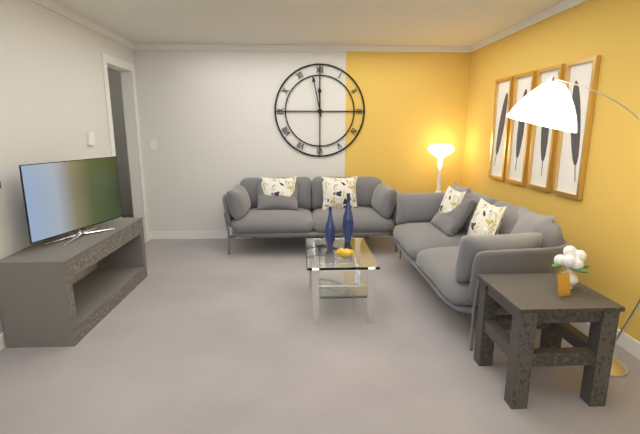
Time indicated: 11h58
